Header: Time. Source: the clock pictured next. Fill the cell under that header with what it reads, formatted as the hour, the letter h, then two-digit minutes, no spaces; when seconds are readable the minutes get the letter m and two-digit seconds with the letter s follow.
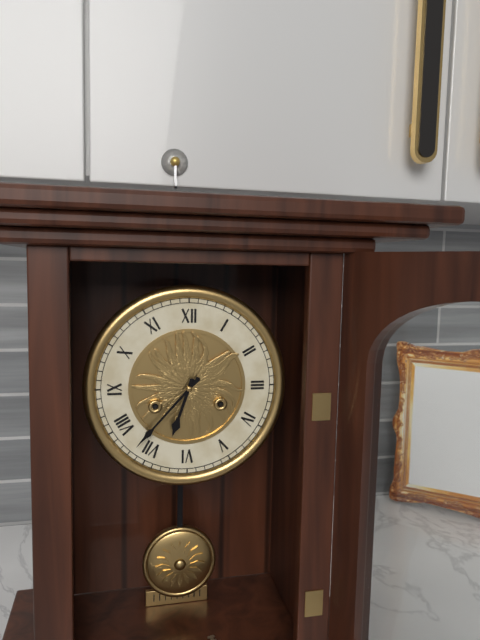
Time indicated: 6h37
